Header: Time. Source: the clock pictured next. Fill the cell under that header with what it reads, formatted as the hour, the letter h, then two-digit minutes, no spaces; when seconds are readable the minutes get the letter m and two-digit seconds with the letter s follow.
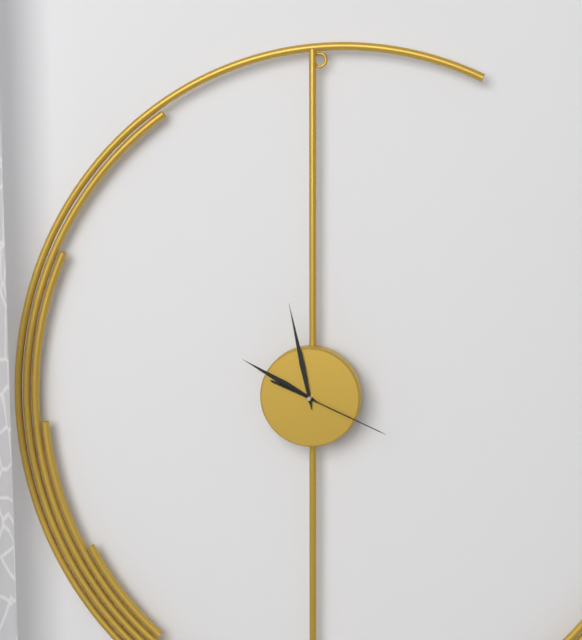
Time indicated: 9h58m19s
